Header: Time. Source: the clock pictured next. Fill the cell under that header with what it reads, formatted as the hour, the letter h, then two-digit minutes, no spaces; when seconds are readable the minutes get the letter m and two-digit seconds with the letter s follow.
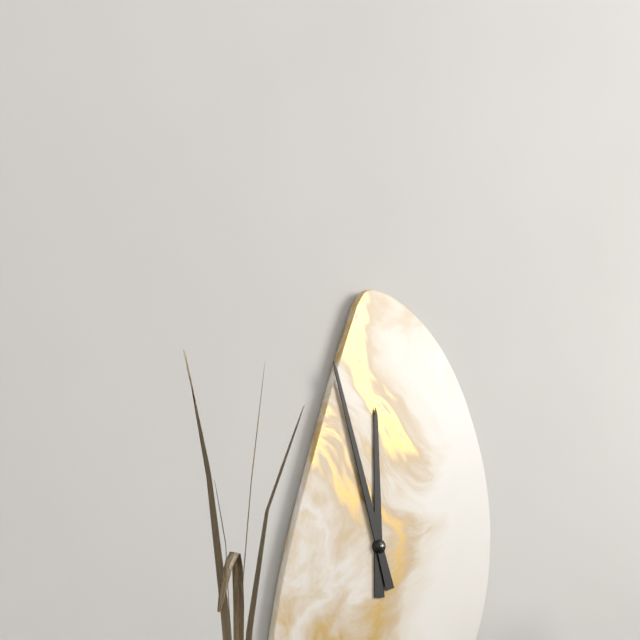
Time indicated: 11h57
